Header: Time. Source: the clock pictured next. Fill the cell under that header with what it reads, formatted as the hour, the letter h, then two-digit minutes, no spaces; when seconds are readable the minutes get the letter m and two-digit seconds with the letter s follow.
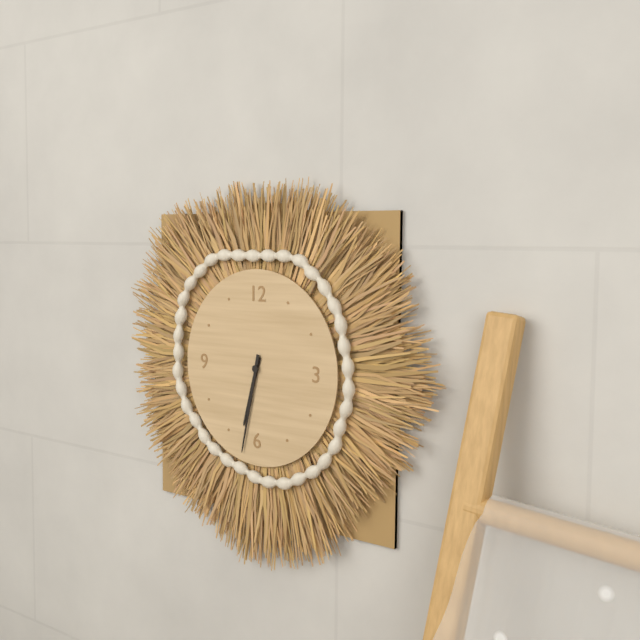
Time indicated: 6h32
